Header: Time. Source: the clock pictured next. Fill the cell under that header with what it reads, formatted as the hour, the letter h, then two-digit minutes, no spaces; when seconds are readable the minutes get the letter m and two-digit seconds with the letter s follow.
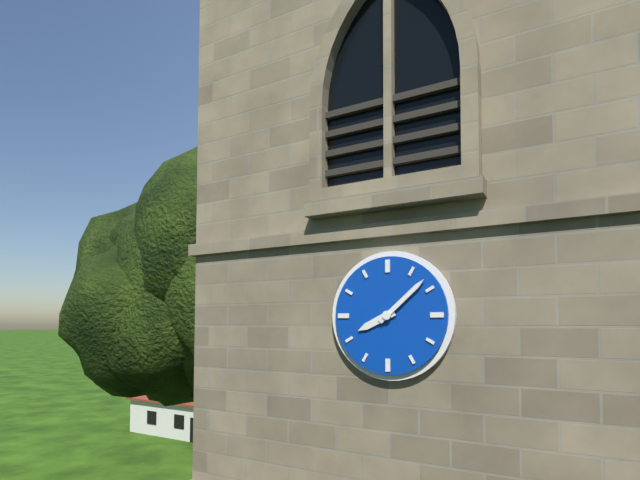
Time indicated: 8h08
